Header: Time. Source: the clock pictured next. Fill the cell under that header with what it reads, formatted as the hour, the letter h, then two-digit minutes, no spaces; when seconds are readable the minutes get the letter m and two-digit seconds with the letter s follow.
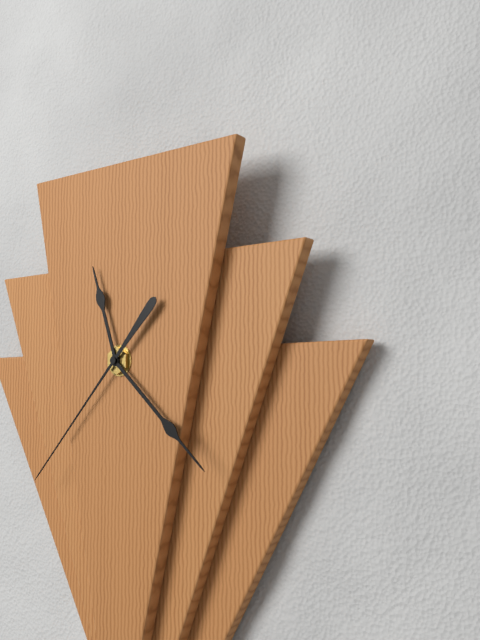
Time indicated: 11h22m37s
